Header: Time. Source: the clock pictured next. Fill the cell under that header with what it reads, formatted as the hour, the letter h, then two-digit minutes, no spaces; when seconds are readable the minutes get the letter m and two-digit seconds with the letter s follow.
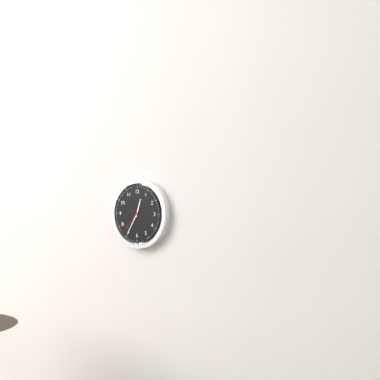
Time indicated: 12h35
